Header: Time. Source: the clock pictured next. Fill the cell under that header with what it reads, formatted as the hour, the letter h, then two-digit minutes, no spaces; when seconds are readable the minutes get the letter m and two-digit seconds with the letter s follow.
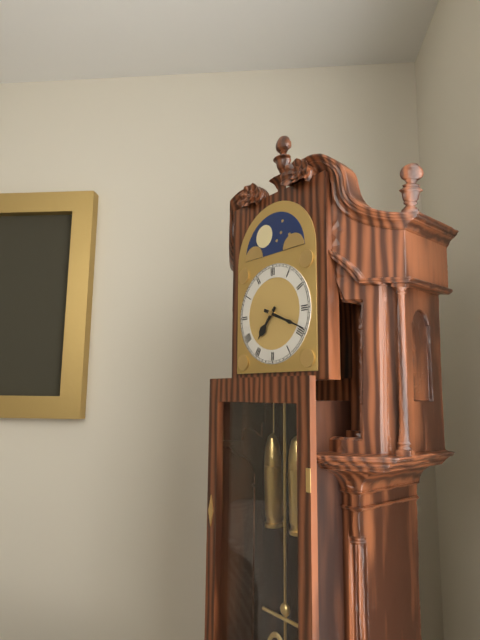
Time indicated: 7h19
